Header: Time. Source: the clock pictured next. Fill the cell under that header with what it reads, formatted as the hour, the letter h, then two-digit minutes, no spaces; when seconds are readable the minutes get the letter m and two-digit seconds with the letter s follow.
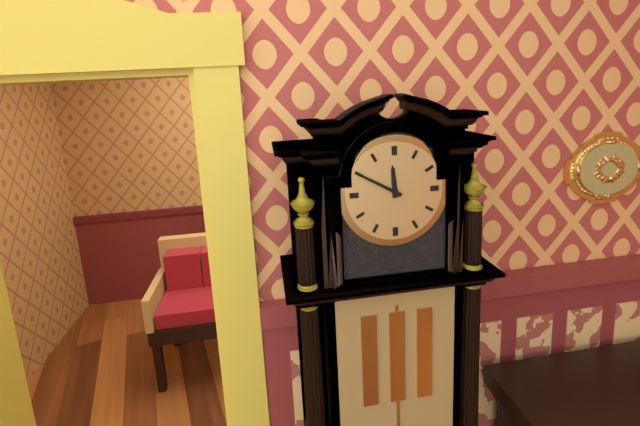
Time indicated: 11h50
